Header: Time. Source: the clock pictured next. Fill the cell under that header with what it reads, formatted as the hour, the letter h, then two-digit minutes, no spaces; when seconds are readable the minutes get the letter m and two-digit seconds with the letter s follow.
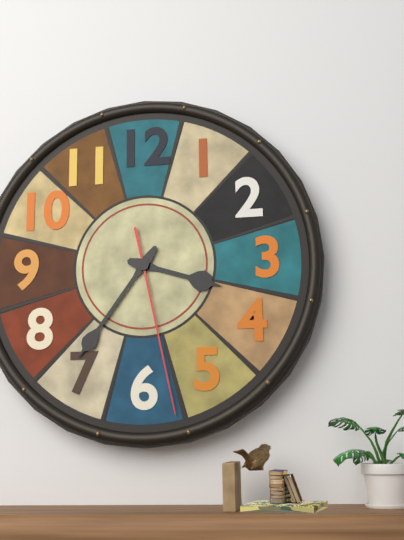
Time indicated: 3h36m28s
